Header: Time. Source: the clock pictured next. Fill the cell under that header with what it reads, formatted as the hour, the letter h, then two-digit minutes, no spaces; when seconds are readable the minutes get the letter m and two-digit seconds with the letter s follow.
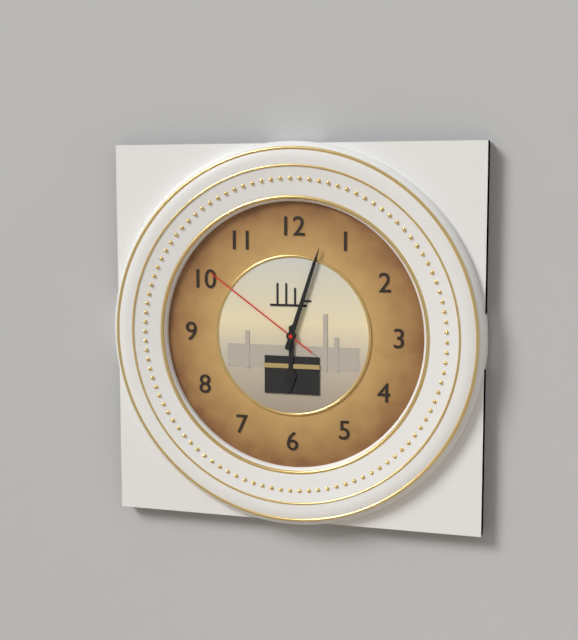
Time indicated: 6h03m51s
